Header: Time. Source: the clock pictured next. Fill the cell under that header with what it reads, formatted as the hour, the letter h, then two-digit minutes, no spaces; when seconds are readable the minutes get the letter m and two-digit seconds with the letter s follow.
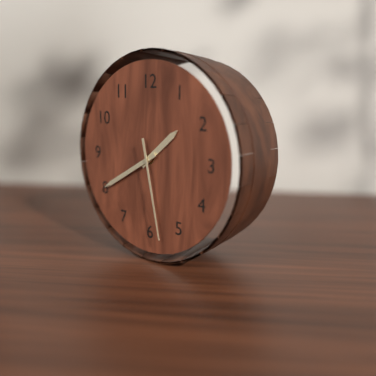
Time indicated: 1h40m28s
